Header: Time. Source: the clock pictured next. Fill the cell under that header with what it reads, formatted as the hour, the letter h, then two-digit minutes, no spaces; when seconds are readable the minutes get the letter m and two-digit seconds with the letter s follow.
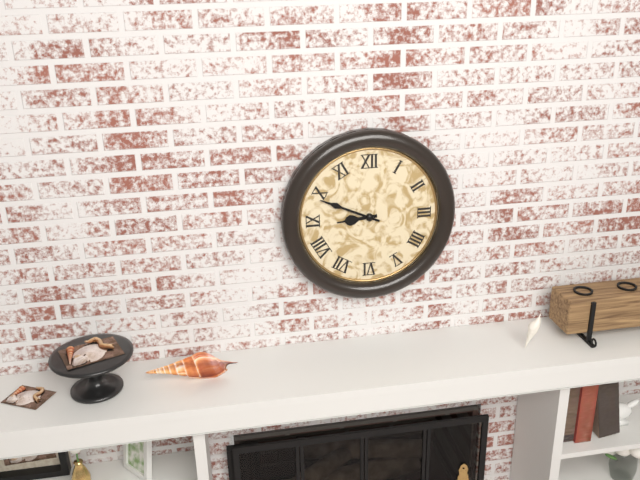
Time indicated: 8h49
